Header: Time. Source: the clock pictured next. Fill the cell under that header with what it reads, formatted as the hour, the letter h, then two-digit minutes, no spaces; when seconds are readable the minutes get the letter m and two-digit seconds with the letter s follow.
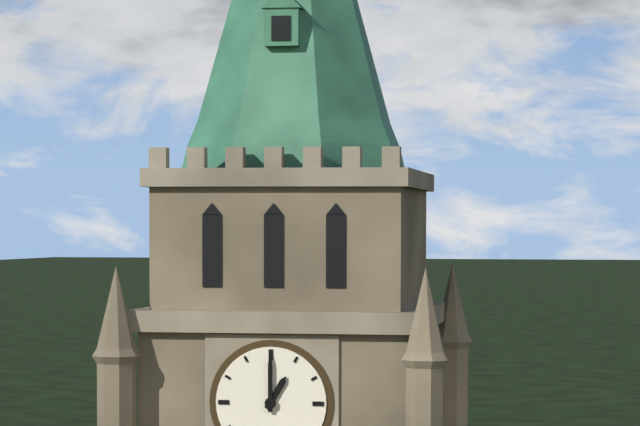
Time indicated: 1h00
